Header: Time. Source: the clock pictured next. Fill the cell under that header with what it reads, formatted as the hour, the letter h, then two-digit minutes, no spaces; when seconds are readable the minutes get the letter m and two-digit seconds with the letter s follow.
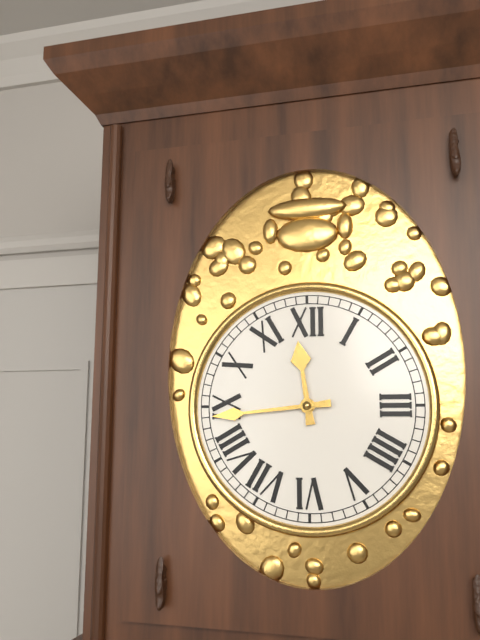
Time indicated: 11h44
